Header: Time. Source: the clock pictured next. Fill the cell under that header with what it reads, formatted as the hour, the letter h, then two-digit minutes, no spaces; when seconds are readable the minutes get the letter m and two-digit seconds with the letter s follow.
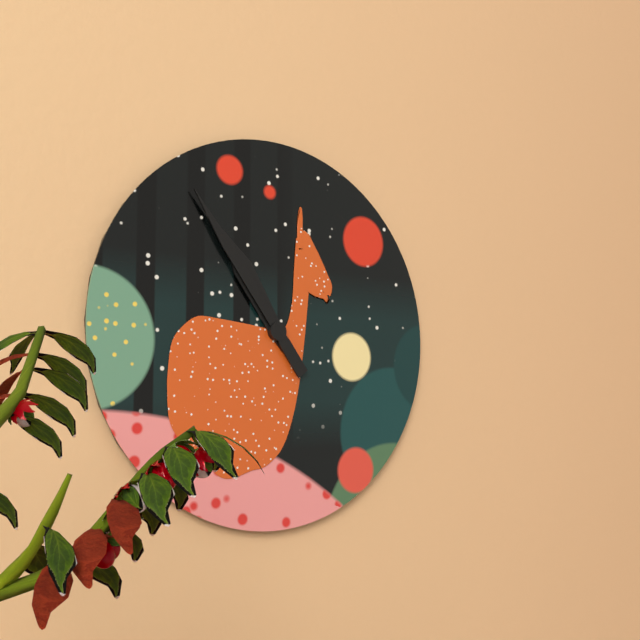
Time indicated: 10h54
